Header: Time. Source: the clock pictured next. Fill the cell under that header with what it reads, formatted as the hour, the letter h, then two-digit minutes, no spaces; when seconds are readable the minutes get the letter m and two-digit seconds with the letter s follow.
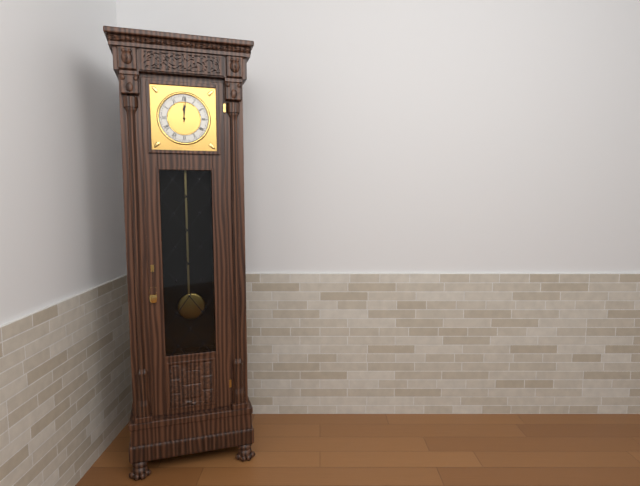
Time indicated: 12h01
